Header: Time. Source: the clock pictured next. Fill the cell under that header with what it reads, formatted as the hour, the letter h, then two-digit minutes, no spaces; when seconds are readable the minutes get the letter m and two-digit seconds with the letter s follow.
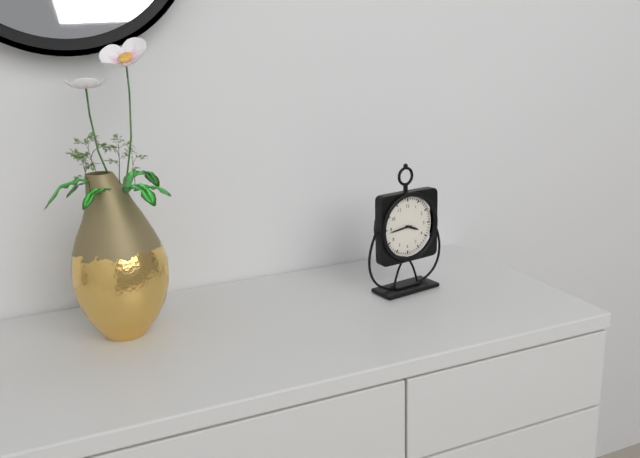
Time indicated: 3h44
